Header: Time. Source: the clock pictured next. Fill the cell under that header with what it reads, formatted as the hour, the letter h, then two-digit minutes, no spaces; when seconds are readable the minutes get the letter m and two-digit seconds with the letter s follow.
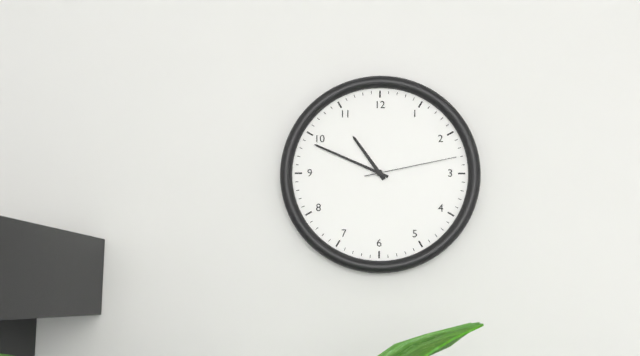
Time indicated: 10h49m13s
